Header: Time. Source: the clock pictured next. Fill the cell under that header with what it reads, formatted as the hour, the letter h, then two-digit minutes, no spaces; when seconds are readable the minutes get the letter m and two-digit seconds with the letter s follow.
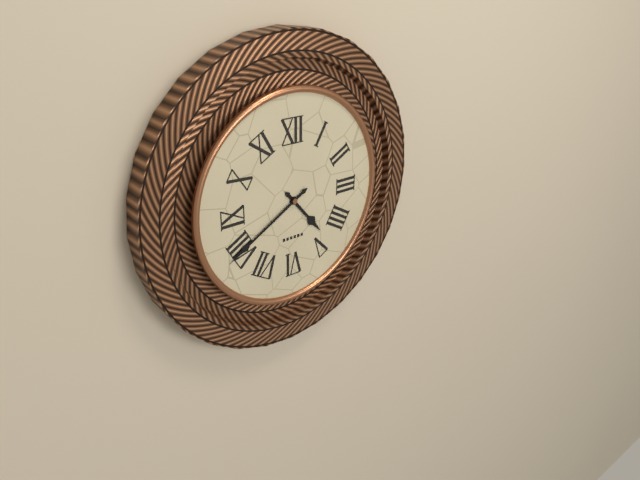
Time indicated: 4h40
